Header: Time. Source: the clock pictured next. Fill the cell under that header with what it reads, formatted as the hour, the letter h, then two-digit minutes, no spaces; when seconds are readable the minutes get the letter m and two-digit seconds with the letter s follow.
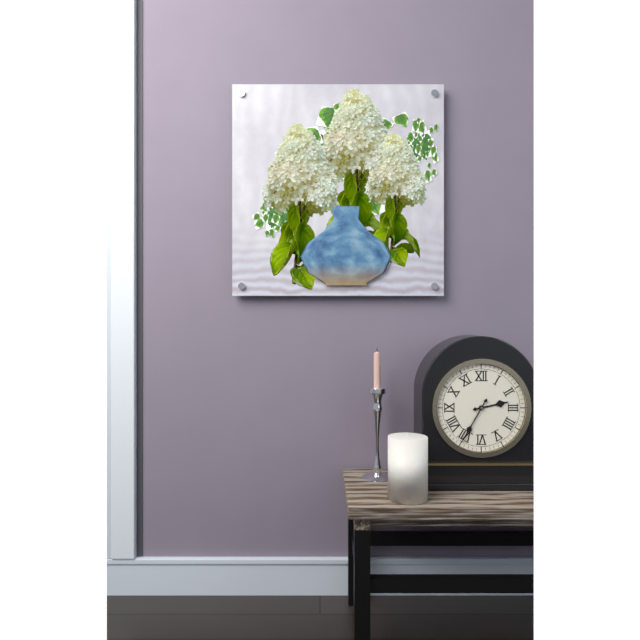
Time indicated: 2h35
